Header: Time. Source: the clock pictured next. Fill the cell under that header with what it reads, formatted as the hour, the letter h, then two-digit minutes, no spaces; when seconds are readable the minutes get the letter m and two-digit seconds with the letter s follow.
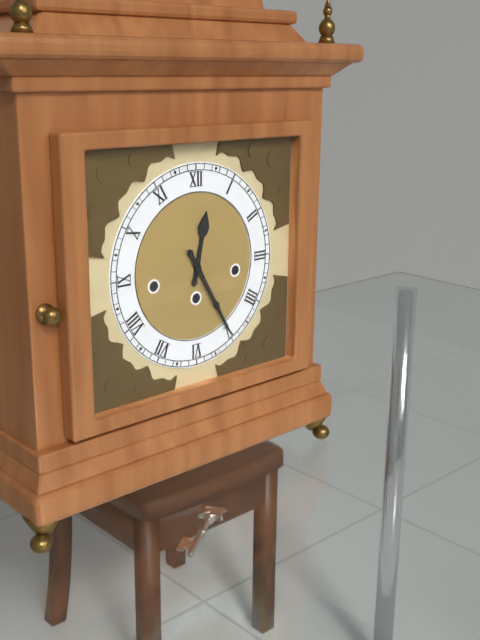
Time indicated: 12h25
